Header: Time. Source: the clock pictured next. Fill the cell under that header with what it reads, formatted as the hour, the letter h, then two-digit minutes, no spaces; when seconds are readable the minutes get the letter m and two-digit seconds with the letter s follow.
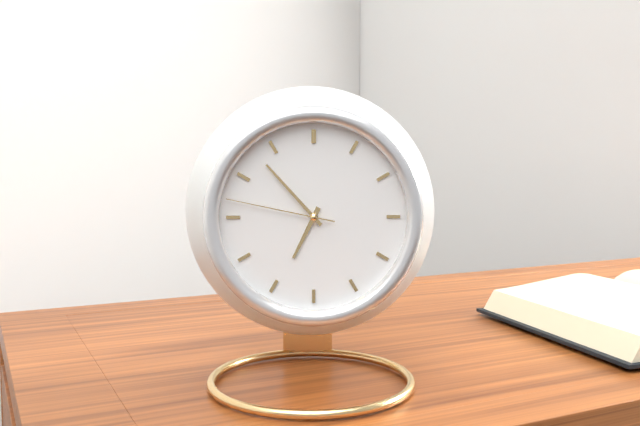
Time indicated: 6h53m47s
